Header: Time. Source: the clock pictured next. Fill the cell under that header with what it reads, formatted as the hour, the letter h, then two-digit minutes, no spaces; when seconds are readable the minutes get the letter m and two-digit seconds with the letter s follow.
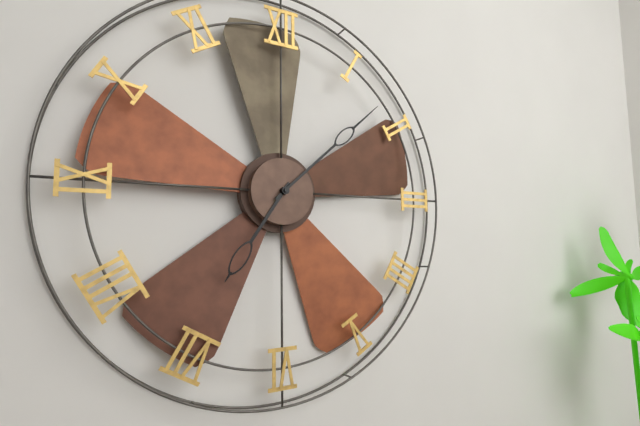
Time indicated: 7h08
